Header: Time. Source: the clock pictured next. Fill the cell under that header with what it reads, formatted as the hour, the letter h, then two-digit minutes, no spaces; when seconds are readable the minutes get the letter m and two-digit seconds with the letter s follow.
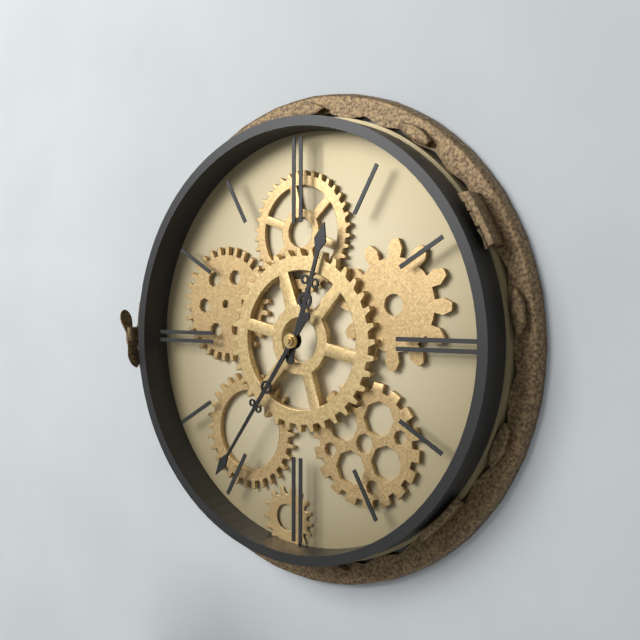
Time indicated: 12h36
